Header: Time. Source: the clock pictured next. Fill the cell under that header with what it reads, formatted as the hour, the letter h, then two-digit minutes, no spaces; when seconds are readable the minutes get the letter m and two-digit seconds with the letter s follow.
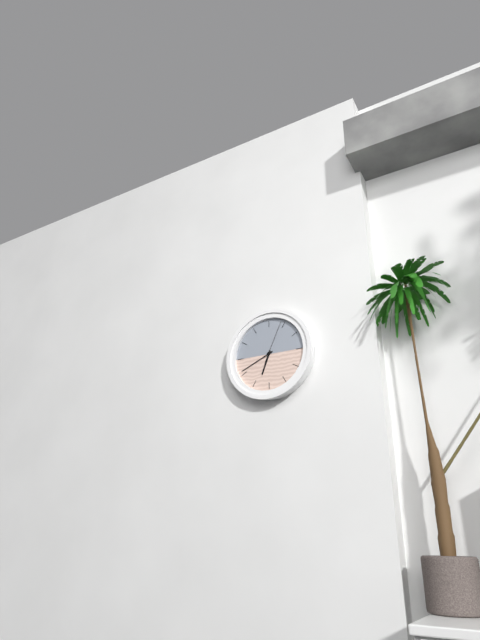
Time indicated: 6h41
